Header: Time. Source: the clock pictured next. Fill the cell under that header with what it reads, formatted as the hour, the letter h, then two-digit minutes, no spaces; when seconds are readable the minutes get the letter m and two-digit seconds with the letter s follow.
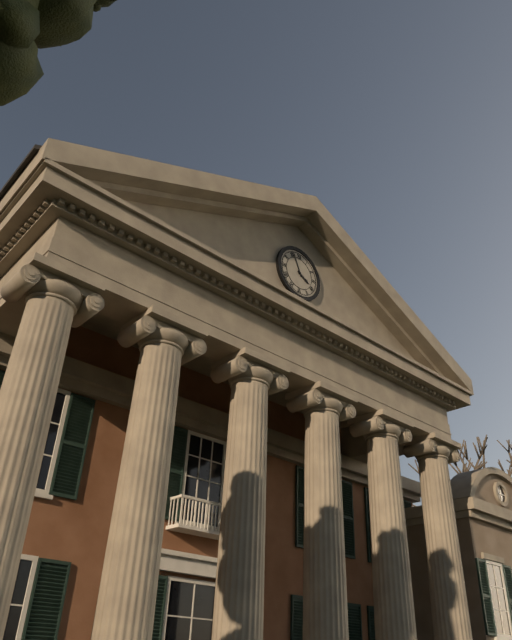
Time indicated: 3h56
